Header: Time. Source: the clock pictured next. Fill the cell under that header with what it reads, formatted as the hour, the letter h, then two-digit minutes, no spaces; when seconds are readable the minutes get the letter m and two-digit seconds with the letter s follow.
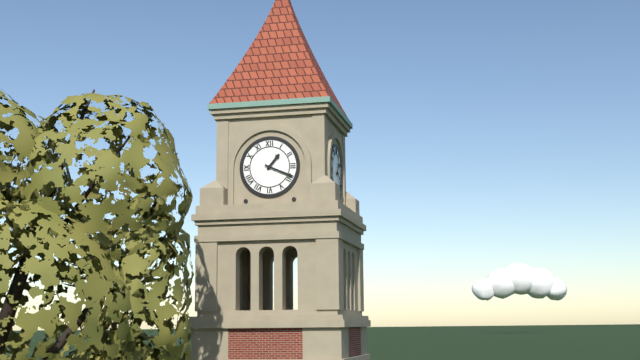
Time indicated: 1h19
